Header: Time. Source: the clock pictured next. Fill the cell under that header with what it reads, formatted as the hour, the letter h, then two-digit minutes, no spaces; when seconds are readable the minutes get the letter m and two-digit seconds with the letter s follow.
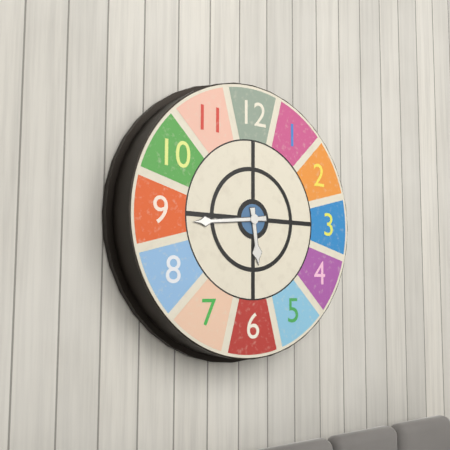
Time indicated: 5h44
